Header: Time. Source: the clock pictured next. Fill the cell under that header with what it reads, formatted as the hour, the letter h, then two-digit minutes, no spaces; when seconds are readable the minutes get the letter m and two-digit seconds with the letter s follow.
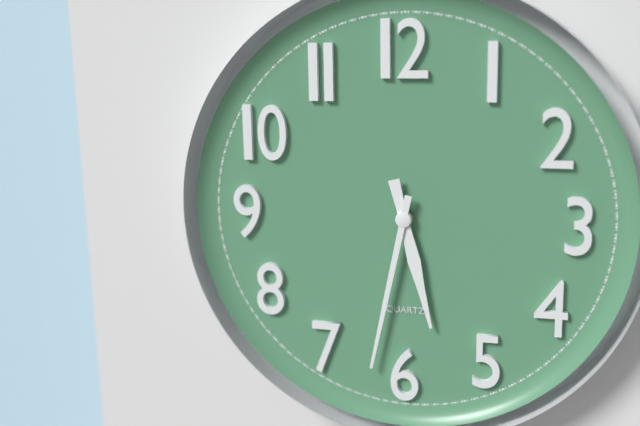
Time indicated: 5h32
